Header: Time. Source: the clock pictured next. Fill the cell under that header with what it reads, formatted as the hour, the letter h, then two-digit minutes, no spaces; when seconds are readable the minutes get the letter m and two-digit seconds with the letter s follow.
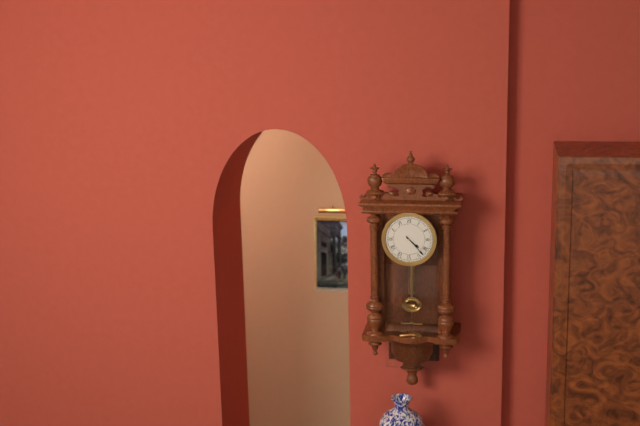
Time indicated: 4h23
